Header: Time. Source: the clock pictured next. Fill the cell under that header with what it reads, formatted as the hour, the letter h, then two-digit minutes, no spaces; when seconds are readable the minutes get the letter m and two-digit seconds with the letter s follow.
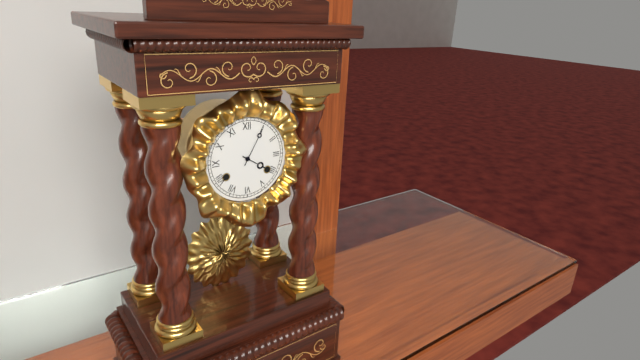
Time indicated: 4h05
